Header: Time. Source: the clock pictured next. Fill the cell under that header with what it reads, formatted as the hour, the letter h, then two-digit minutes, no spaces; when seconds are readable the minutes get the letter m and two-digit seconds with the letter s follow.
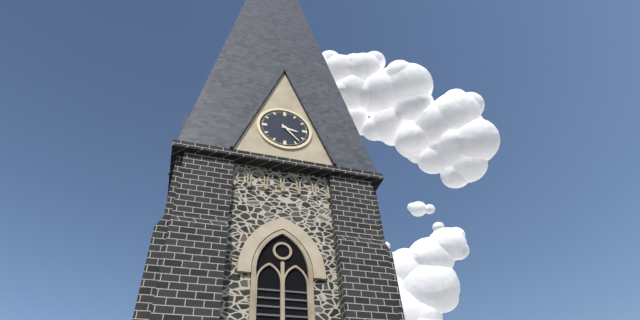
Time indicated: 3h23
